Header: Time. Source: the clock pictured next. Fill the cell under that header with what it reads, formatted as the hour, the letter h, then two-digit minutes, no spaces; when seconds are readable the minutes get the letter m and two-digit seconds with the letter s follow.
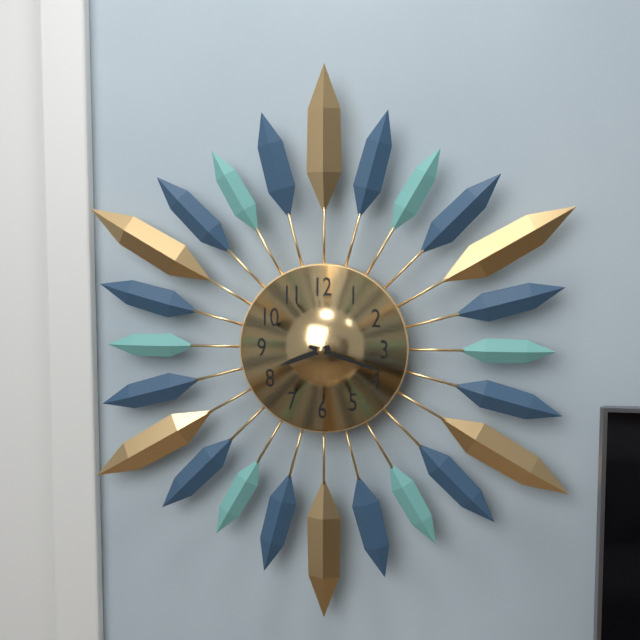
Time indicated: 8h18
